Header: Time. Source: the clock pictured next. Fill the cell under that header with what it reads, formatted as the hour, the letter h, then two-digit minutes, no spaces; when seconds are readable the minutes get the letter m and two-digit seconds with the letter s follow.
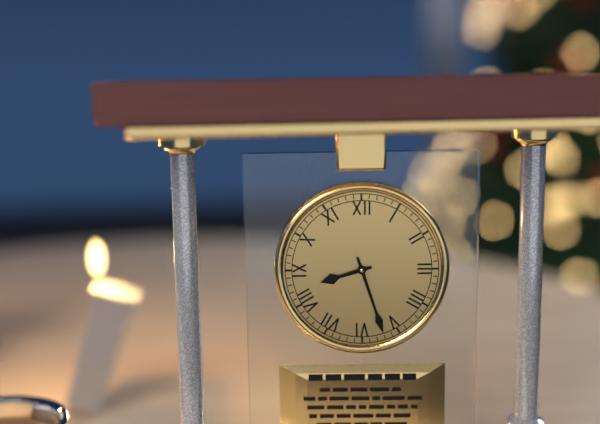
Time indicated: 8h27
